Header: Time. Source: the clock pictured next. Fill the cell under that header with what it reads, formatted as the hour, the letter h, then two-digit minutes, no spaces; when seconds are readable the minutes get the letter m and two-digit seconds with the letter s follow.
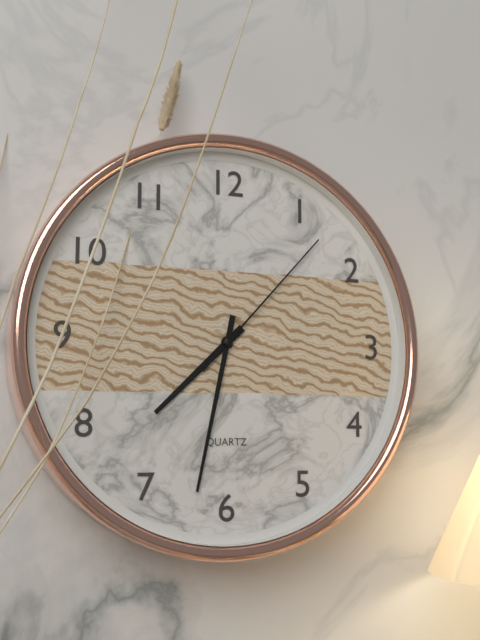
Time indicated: 7h32m07s
